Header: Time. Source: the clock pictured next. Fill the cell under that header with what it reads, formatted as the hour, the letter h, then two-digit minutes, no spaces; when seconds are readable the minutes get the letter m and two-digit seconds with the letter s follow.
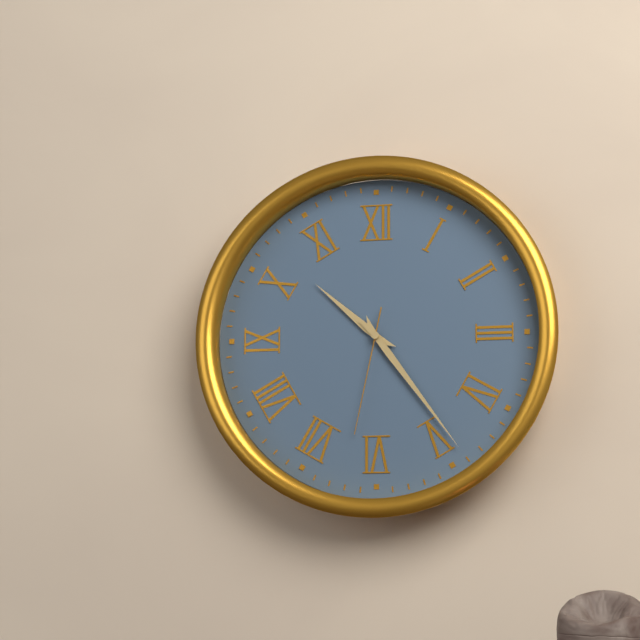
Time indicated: 10h24m32s
